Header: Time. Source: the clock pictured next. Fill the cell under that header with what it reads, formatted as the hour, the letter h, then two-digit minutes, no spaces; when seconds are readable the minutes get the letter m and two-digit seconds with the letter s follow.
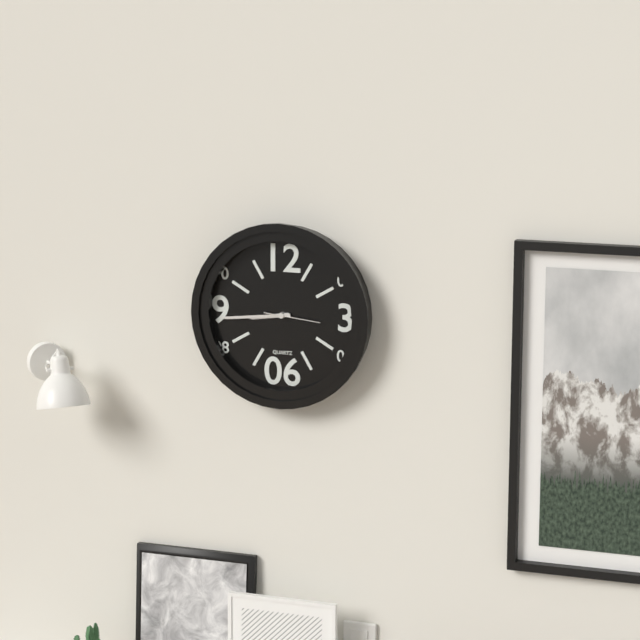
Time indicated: 8h44
